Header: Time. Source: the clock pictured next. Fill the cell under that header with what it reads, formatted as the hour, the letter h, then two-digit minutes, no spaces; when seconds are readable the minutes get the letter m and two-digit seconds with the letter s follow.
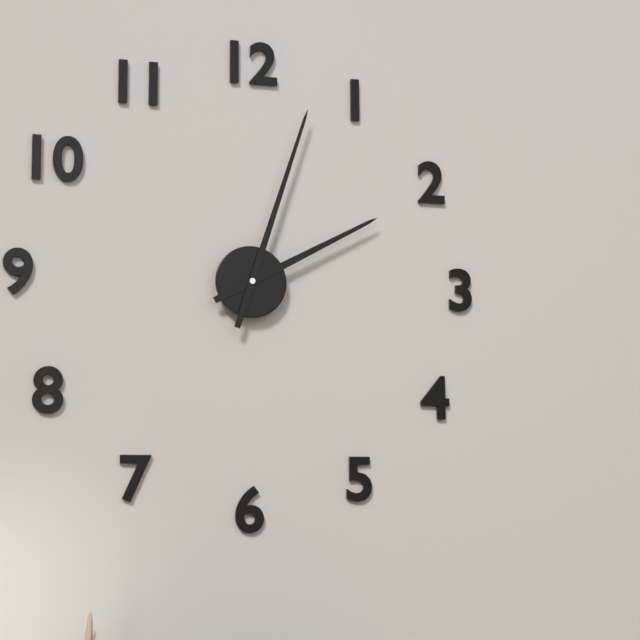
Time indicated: 2h03
